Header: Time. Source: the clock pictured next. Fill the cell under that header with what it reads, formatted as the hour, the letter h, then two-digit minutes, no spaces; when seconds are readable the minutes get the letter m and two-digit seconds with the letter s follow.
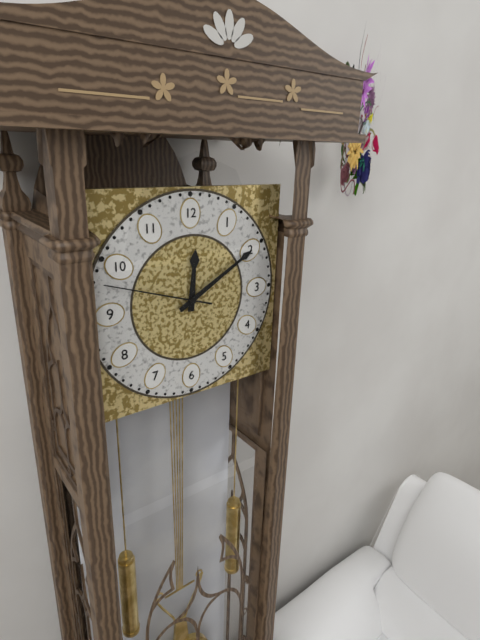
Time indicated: 12h10m48s
